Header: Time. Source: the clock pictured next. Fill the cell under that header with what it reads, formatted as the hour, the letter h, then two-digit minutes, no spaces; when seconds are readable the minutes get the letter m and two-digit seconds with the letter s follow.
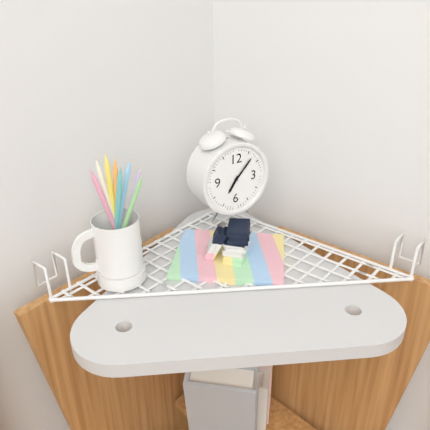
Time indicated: 7h07
